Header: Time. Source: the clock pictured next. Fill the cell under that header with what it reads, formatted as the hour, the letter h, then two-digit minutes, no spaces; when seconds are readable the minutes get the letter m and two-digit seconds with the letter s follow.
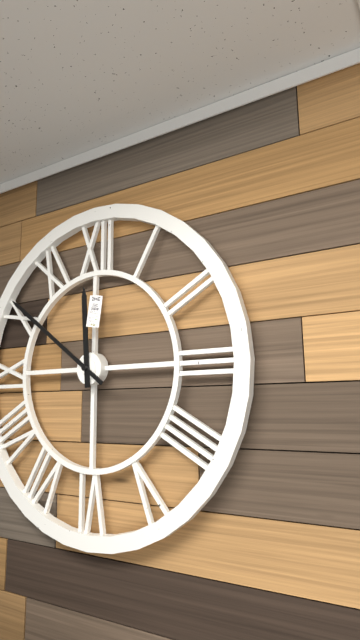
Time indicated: 11h51
